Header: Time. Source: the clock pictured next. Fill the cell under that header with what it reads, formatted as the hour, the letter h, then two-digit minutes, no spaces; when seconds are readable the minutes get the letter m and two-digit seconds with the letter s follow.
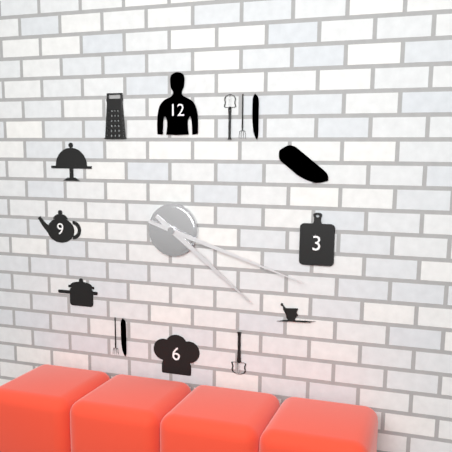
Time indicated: 4h18
